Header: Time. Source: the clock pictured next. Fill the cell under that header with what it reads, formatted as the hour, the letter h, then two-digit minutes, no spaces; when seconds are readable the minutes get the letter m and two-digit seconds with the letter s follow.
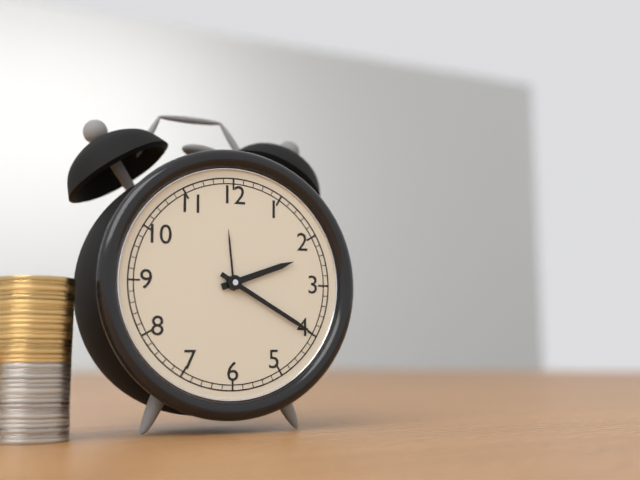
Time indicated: 2h20
